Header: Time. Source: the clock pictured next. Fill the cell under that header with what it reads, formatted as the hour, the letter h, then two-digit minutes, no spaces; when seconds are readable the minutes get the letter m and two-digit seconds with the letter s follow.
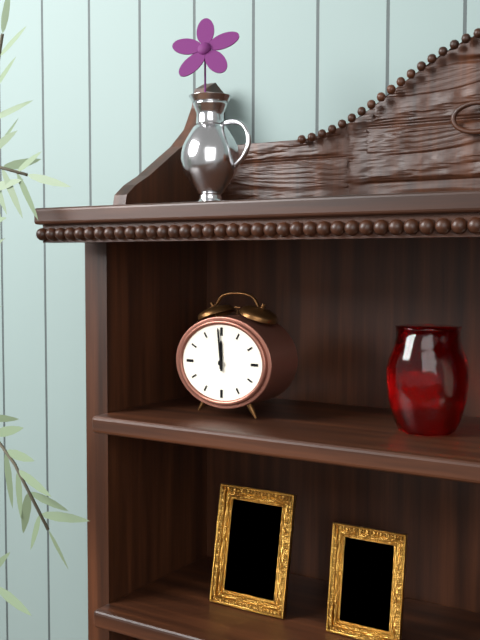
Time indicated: 11h59
